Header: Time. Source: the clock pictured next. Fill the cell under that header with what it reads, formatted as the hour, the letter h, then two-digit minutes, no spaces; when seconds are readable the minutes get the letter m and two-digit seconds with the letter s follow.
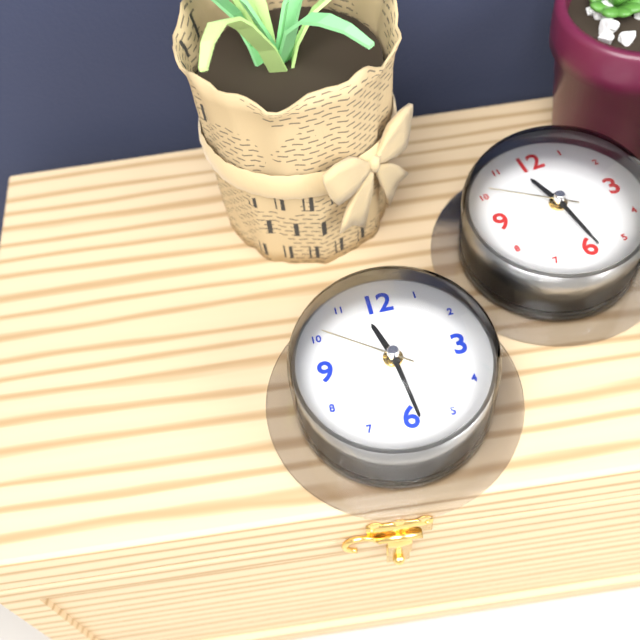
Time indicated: 11h29m51s
